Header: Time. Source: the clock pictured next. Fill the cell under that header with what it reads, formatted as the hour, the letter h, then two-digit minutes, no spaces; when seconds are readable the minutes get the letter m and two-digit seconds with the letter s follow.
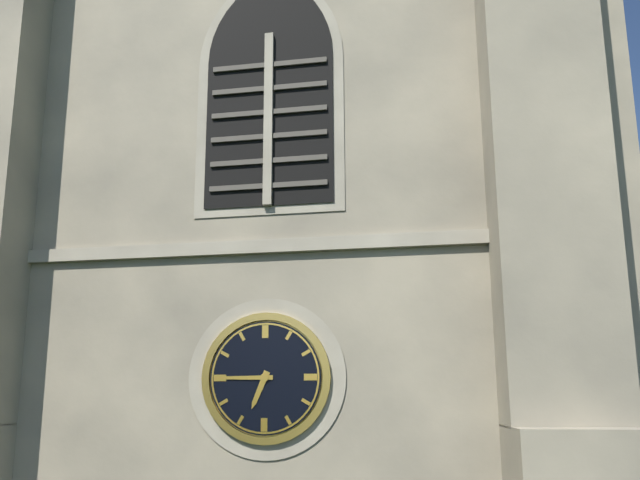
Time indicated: 6h45
